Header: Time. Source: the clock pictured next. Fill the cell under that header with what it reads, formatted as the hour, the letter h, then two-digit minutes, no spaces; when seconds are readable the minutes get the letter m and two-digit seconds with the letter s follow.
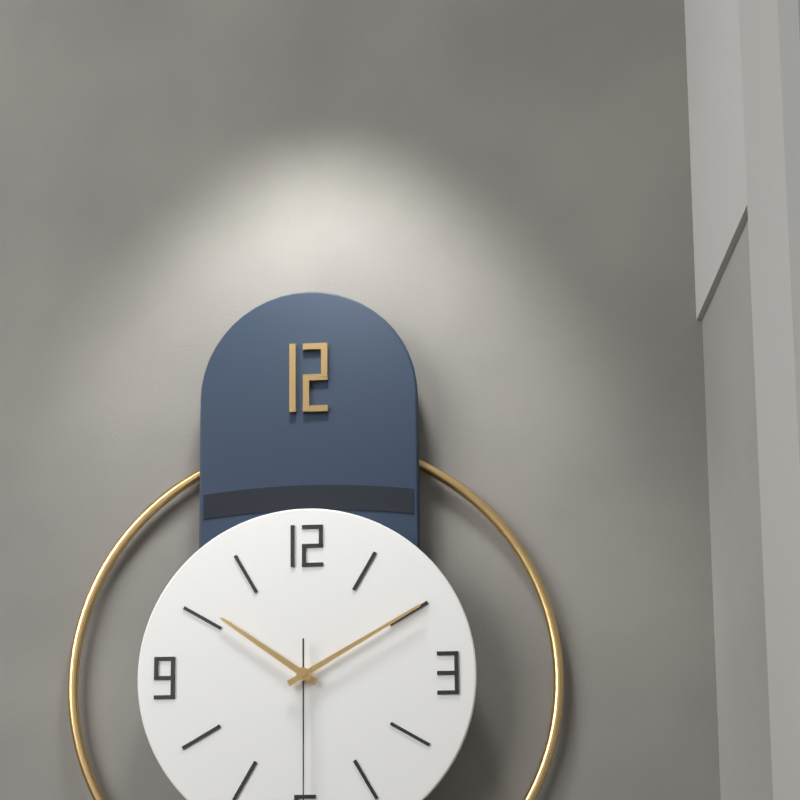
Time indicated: 10h10
